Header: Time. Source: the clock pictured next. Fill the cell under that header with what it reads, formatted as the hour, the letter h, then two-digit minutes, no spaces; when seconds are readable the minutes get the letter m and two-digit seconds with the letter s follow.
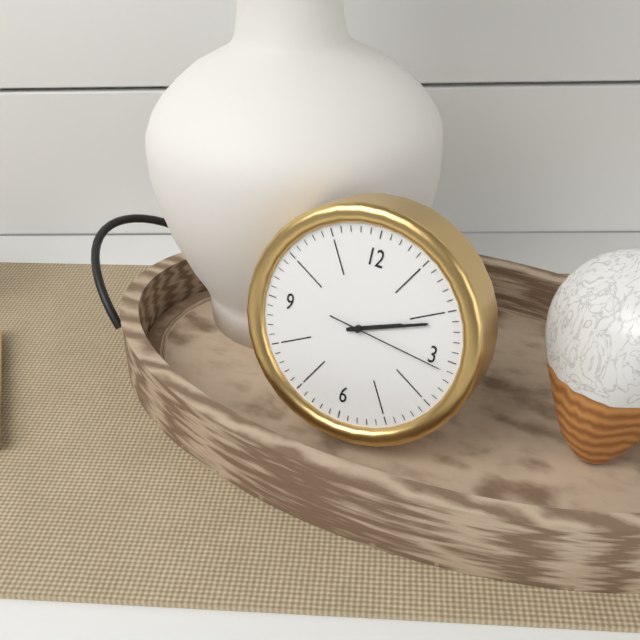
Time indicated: 2h11m16s
